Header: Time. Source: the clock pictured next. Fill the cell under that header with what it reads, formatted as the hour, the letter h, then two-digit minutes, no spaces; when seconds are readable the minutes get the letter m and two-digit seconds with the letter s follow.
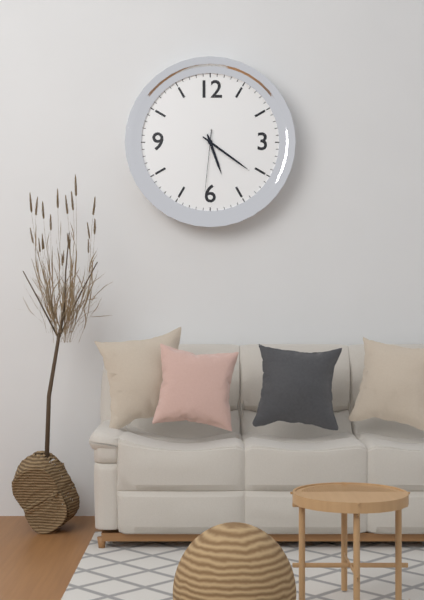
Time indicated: 5h21m31s
